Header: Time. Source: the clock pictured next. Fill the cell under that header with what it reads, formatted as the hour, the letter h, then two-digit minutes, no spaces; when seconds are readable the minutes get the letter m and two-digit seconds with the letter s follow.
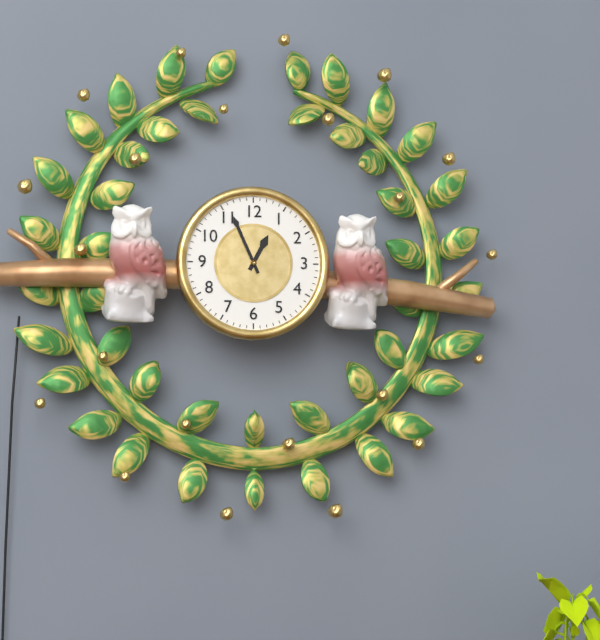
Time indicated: 12h56
